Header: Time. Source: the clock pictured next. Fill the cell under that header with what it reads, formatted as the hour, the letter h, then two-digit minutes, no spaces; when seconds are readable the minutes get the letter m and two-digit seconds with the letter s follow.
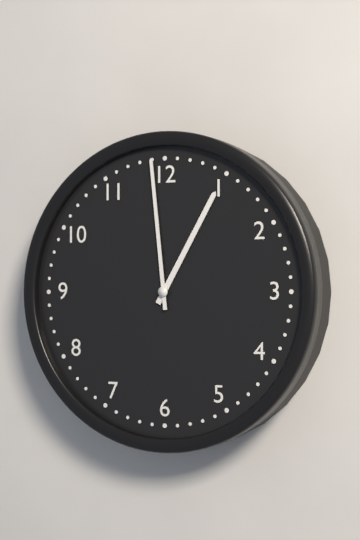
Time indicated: 12h59
